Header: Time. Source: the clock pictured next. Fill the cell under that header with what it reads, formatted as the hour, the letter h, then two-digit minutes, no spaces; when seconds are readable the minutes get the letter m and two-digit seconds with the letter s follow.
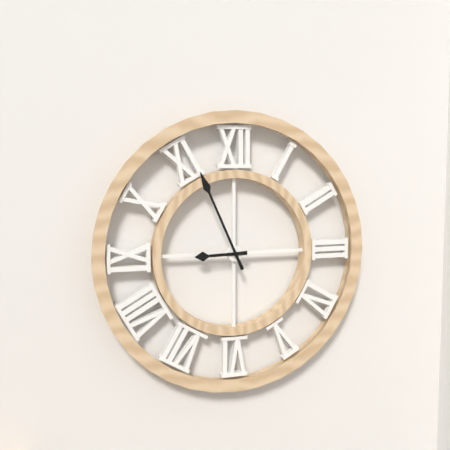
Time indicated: 8h56
